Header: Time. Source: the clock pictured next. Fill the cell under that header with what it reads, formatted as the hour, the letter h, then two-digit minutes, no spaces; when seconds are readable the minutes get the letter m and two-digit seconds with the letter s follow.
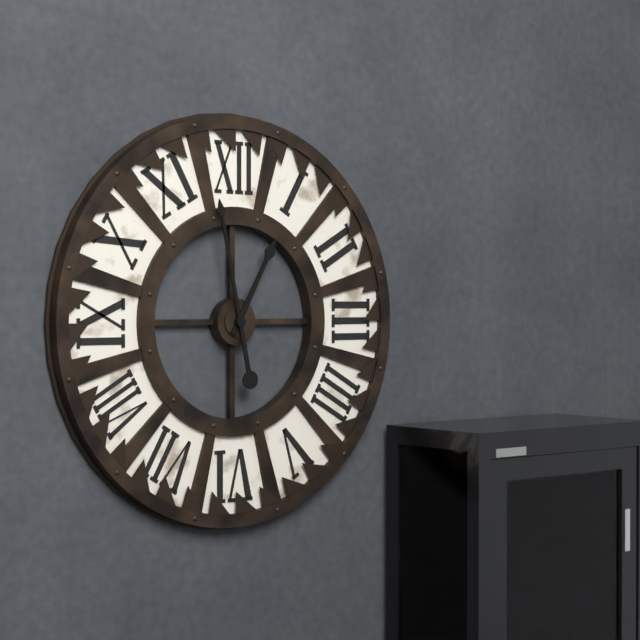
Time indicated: 12h58
